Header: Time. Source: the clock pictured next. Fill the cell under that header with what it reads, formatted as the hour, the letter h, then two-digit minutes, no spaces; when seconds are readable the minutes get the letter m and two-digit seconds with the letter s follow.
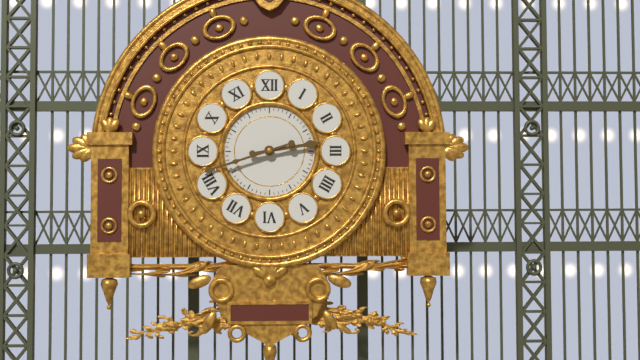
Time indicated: 2h42
